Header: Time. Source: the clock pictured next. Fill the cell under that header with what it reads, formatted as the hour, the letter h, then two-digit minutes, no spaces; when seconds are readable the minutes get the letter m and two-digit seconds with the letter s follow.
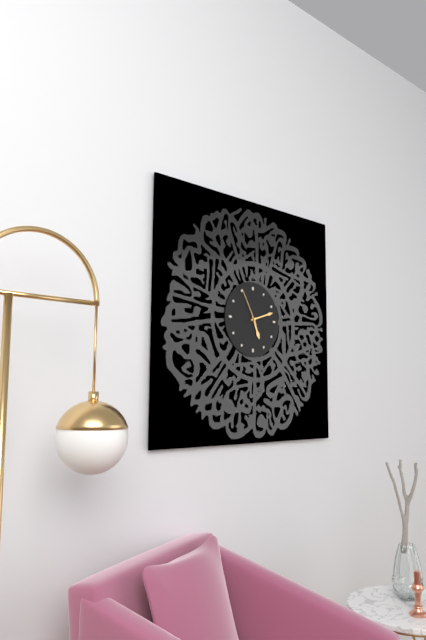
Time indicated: 5h12
